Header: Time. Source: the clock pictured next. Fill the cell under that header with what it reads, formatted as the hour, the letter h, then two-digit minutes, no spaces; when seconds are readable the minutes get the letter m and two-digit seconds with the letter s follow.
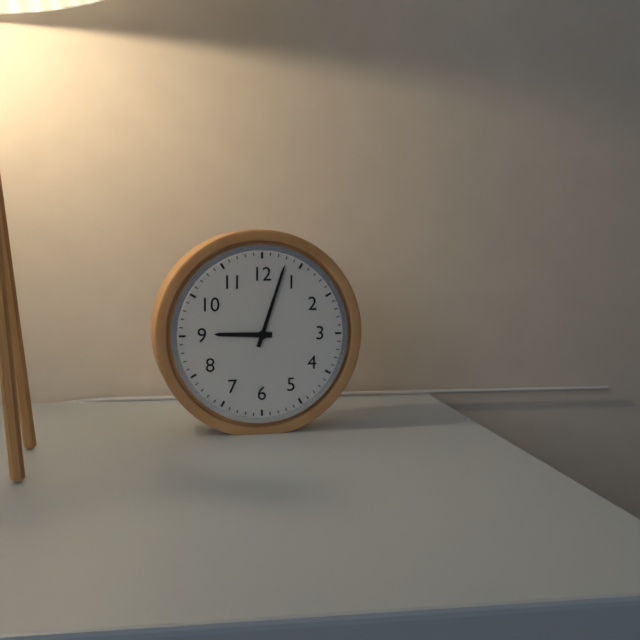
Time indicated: 9h03
